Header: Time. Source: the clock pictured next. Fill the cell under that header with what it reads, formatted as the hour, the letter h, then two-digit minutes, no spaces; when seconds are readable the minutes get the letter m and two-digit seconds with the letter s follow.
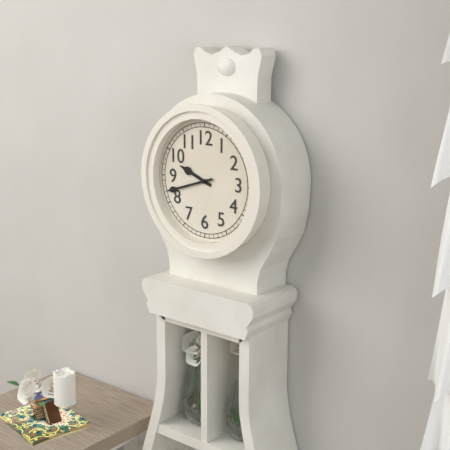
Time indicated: 9h42
